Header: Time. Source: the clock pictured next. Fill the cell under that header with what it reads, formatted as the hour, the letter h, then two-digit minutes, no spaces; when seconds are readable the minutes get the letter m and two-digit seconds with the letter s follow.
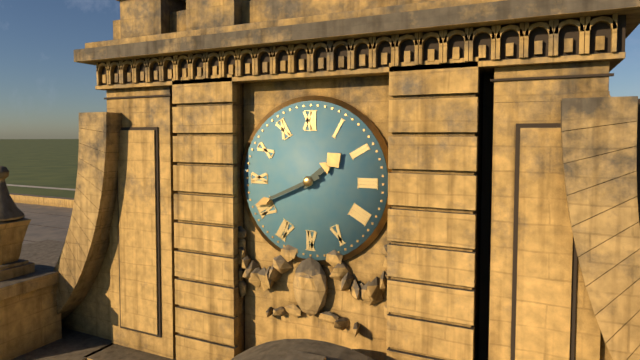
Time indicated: 1h41
